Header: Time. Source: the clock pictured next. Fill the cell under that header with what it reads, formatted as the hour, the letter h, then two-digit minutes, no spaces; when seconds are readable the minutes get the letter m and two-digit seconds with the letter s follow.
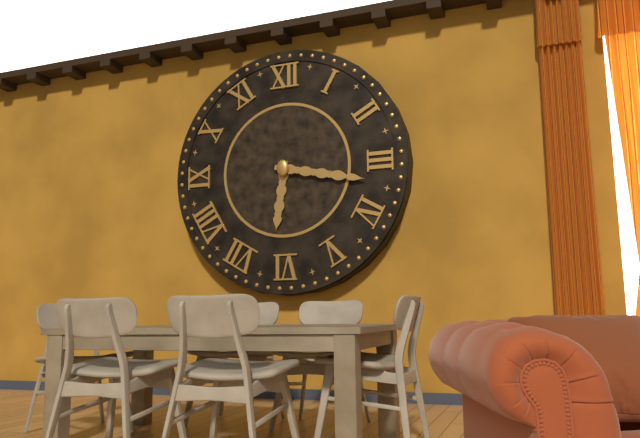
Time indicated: 6h17
